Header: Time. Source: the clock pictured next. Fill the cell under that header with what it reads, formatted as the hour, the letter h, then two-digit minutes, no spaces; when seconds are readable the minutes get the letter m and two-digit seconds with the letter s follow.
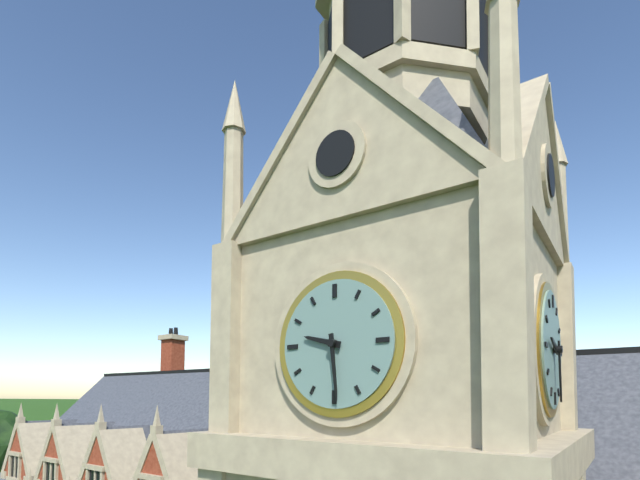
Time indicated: 9h29
